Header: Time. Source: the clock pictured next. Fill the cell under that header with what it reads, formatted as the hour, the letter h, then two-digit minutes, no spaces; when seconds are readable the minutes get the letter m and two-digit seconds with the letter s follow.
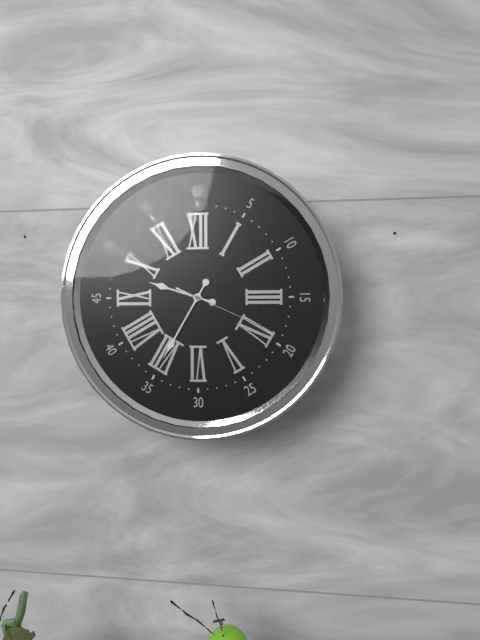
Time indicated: 9h35m19s
